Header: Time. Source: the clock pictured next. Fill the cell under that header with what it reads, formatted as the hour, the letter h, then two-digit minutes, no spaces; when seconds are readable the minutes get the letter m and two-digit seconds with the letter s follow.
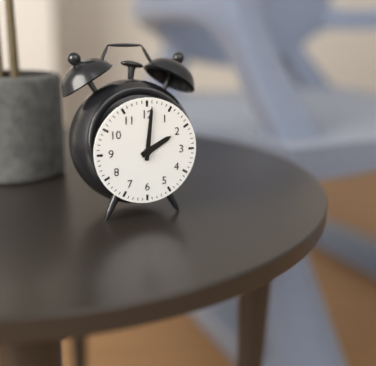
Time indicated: 2h01
